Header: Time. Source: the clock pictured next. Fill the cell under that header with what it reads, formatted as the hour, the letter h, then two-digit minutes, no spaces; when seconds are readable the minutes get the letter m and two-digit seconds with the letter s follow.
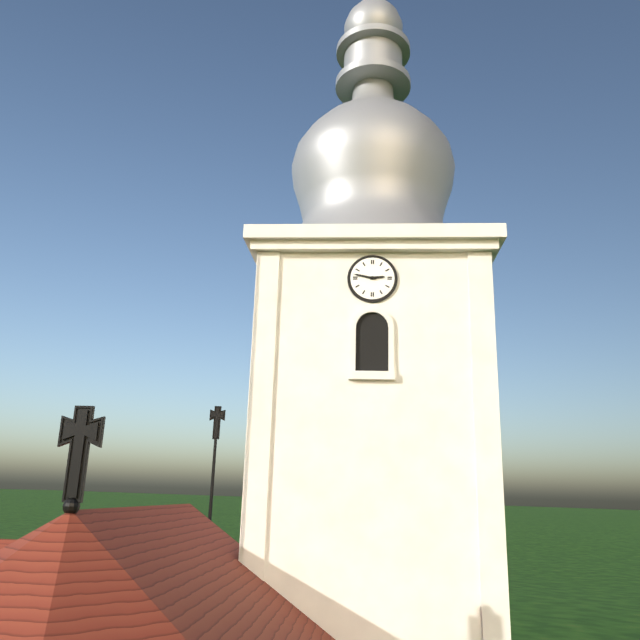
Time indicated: 2h47
